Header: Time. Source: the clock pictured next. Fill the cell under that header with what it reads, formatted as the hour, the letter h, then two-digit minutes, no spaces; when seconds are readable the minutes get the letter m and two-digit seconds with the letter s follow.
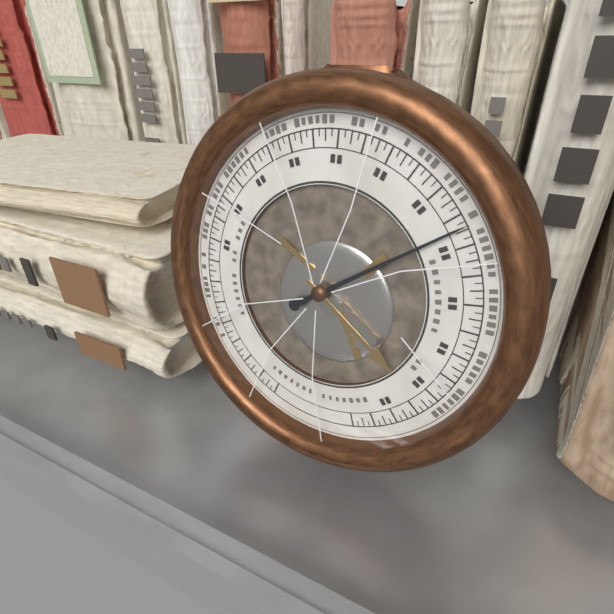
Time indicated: 4h09
